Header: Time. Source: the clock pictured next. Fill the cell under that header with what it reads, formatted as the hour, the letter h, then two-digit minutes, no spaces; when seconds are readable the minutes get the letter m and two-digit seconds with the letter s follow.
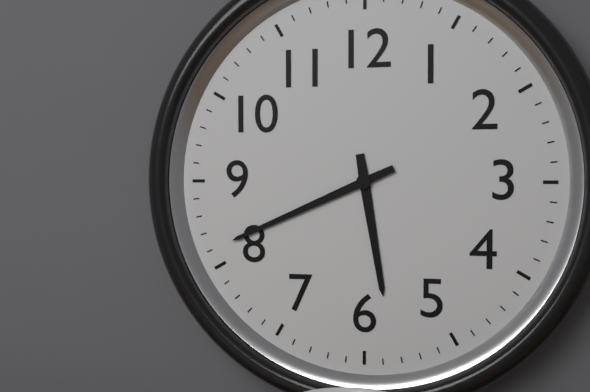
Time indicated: 5h41
